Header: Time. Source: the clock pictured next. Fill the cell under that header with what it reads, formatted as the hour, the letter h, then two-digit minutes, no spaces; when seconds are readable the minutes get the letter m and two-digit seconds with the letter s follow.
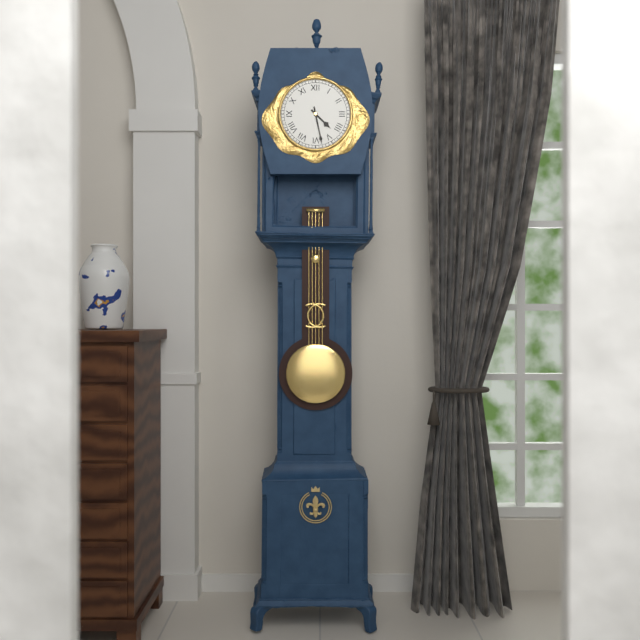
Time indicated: 4h28
